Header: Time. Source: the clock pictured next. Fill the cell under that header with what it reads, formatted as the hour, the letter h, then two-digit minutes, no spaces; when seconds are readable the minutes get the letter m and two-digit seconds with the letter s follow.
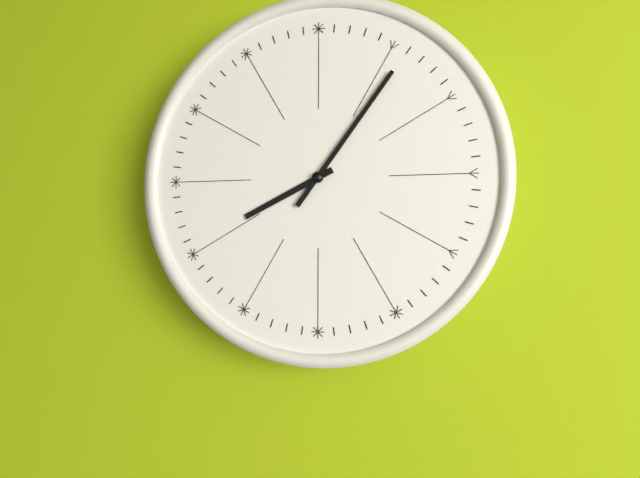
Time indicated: 8h06
